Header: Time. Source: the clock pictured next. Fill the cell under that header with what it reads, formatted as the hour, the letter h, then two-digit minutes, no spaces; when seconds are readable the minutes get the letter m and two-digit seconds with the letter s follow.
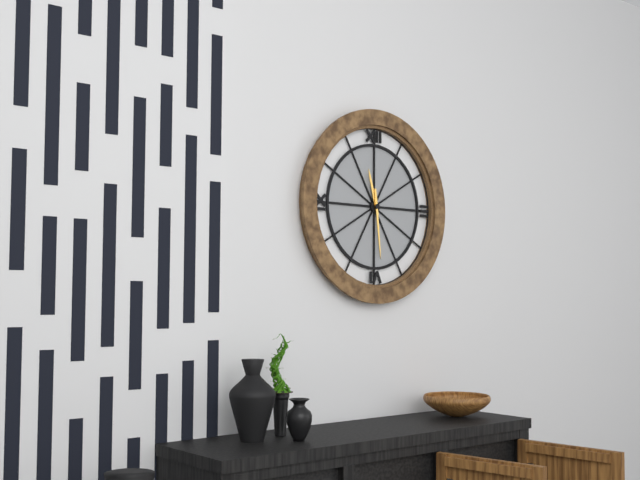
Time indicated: 11h29
